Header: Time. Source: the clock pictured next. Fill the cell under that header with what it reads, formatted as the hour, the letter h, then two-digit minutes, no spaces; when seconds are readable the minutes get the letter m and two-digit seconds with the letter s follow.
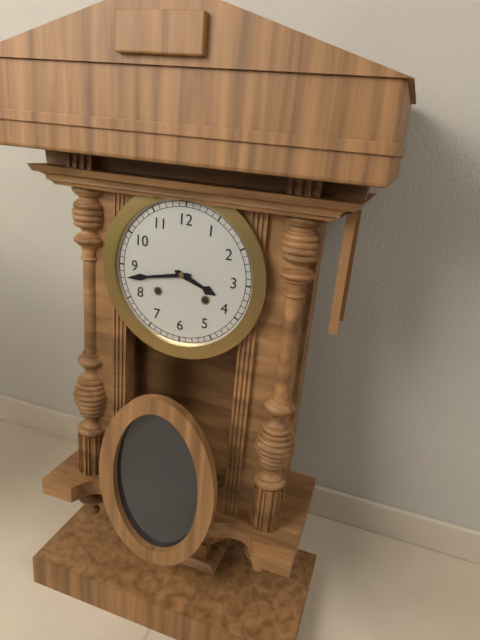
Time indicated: 3h43
